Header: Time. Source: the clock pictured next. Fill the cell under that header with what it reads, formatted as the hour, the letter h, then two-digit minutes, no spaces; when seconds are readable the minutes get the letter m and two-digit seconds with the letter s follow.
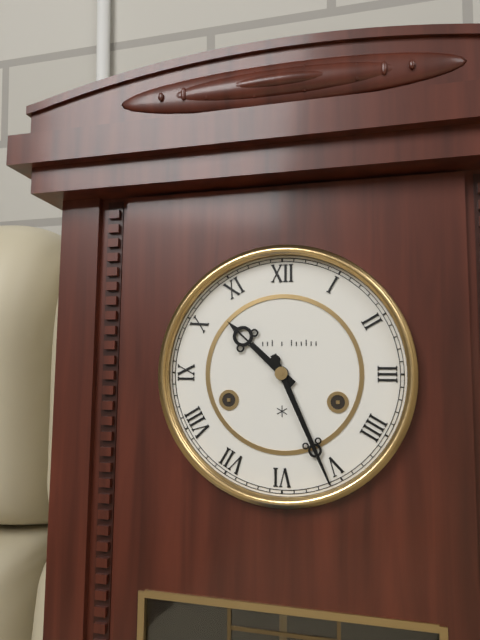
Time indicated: 10h26
